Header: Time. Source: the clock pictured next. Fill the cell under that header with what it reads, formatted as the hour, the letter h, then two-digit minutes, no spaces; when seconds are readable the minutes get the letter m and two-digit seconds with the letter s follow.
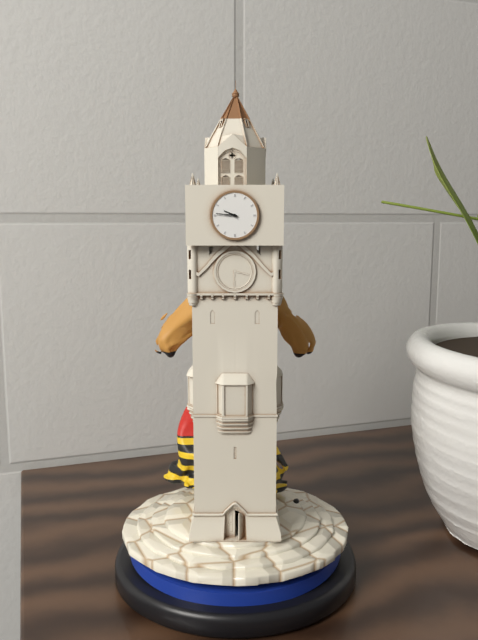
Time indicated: 9h46
